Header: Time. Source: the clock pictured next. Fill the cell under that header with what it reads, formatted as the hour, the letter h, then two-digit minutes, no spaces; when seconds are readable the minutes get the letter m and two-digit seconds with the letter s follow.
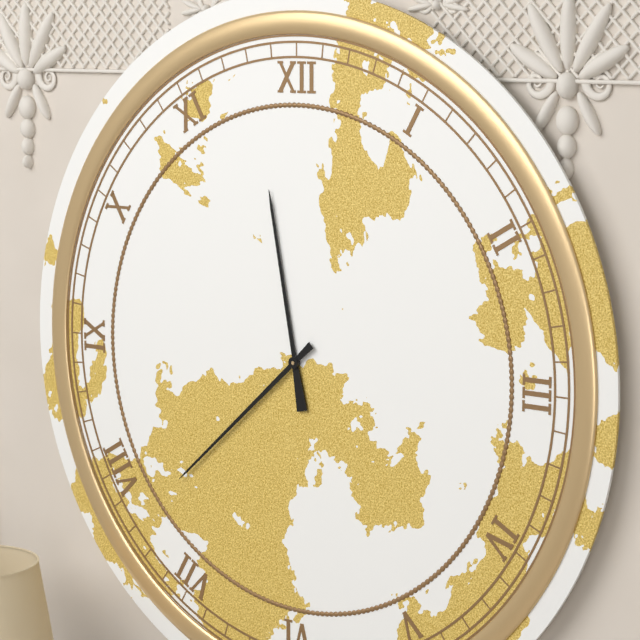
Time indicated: 11h38
